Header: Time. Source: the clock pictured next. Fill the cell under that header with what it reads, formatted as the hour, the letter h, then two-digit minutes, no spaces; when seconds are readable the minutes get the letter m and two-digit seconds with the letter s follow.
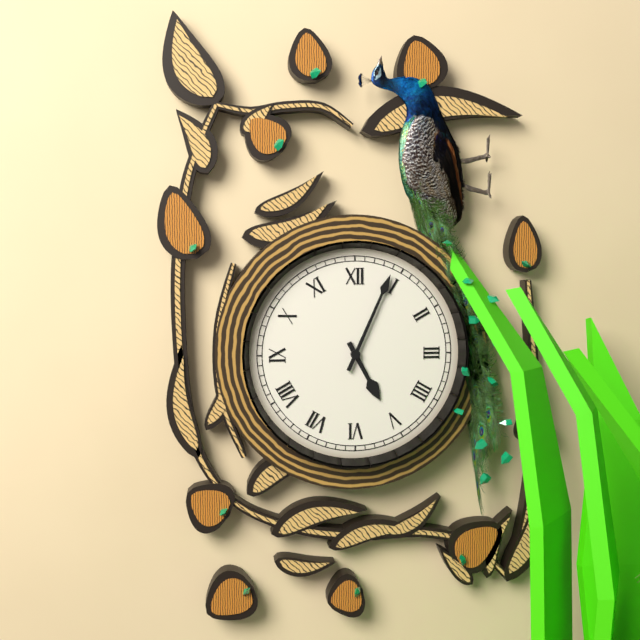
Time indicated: 5h04
